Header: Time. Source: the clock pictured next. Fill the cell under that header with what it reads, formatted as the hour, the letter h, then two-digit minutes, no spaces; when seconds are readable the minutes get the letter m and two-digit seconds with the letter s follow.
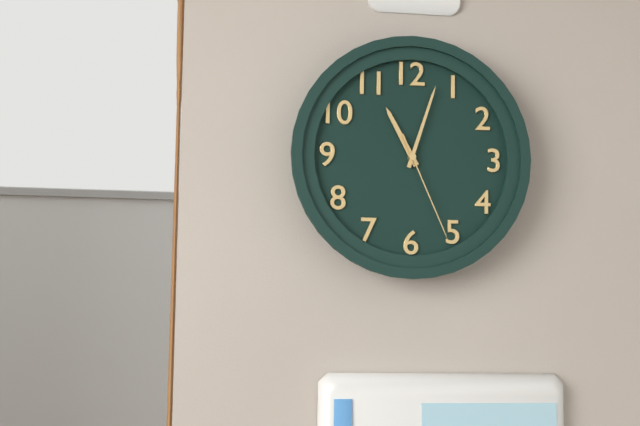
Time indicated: 11h03m26s
